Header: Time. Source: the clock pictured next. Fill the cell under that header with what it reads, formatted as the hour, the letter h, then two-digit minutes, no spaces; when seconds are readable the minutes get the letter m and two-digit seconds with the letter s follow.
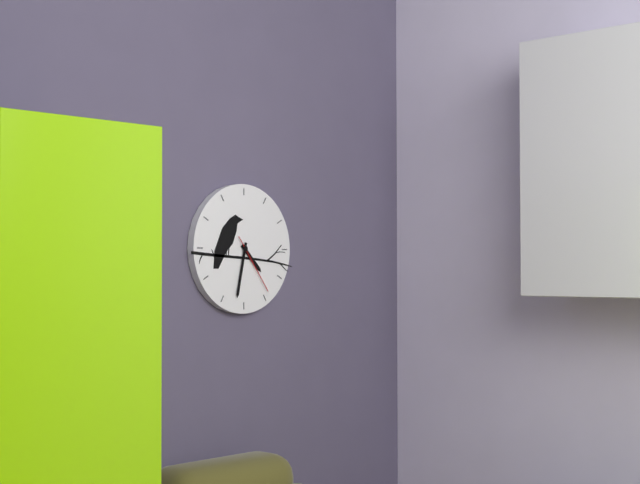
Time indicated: 4h32m24s
